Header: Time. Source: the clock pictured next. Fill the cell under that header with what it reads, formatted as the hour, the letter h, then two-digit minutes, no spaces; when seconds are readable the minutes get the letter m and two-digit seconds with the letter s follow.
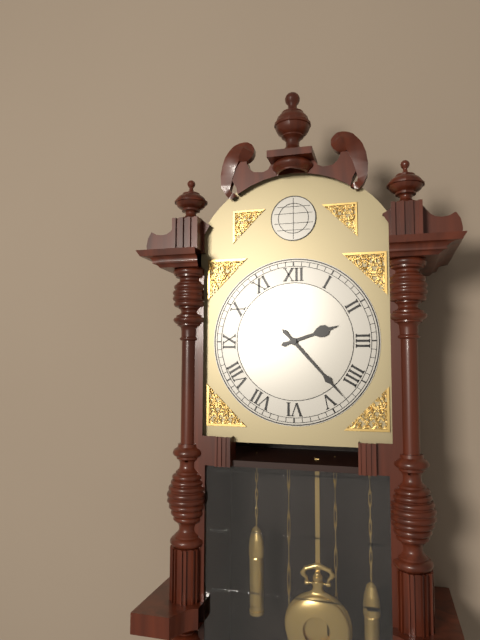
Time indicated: 2h23
